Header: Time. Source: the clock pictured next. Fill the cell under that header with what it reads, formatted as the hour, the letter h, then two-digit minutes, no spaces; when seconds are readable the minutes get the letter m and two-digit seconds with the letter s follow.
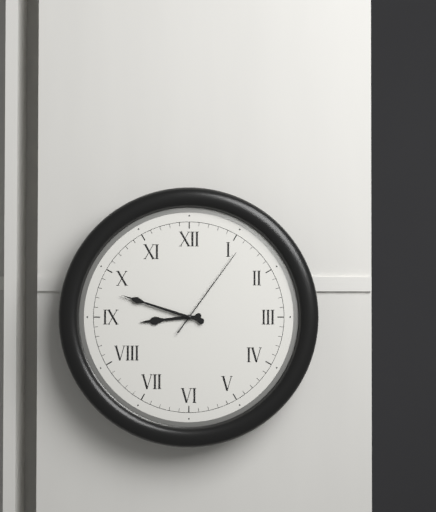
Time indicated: 8h48m06s
